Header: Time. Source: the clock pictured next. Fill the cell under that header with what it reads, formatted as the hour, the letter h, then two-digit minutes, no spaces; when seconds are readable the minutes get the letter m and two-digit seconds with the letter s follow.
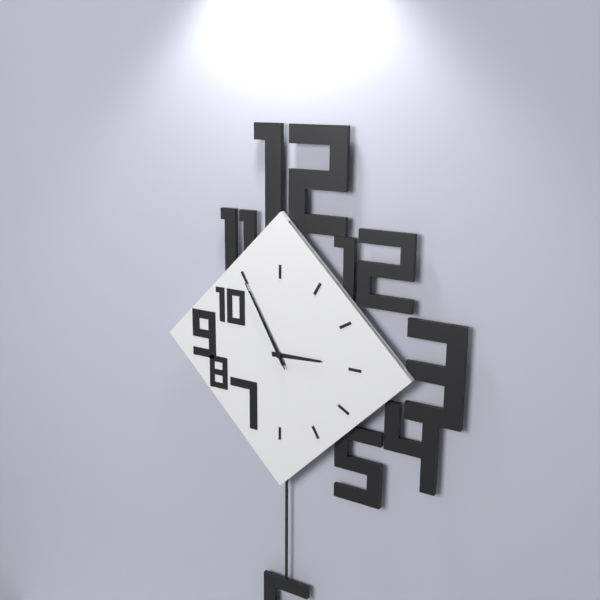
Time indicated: 2h55m55s
